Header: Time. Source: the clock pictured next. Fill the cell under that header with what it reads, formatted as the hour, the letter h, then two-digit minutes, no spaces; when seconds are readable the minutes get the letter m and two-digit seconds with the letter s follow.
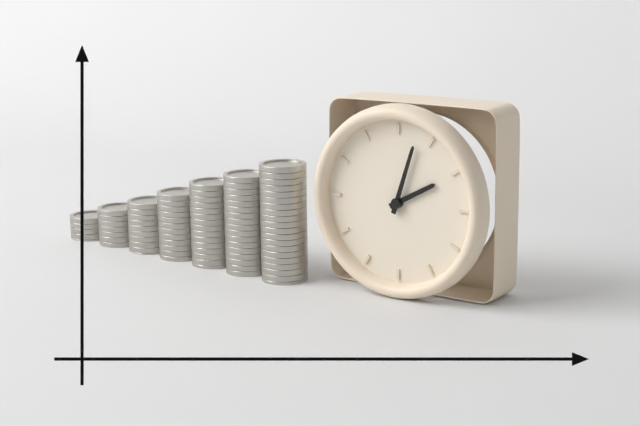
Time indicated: 2h03
